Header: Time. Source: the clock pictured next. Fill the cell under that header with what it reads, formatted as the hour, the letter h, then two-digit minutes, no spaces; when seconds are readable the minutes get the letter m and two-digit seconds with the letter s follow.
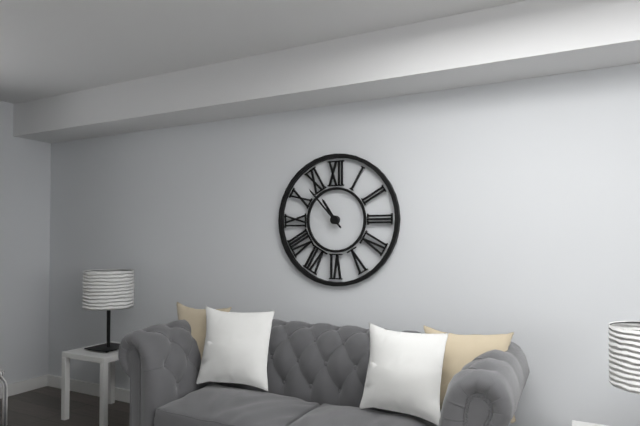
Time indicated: 10h53
